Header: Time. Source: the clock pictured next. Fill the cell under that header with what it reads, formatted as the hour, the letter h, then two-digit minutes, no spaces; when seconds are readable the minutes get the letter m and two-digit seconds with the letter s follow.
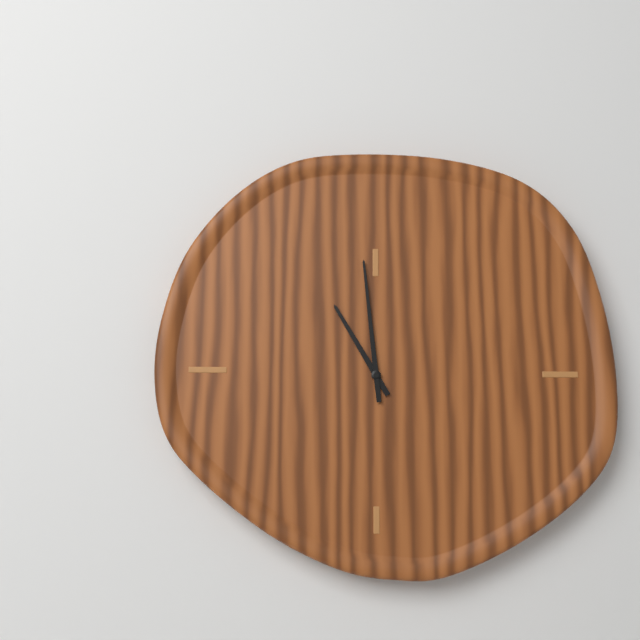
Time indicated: 10h59
